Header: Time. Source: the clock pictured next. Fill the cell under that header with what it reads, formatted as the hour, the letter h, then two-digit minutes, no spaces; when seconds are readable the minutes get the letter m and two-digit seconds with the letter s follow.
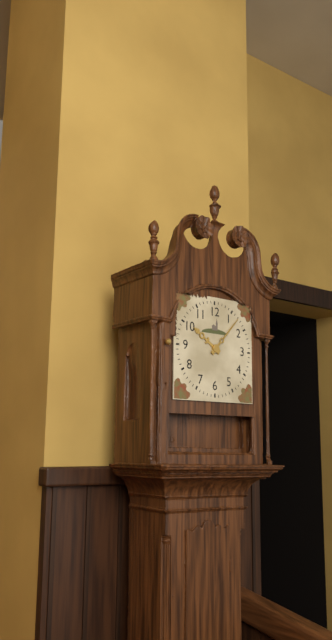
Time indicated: 10h07
